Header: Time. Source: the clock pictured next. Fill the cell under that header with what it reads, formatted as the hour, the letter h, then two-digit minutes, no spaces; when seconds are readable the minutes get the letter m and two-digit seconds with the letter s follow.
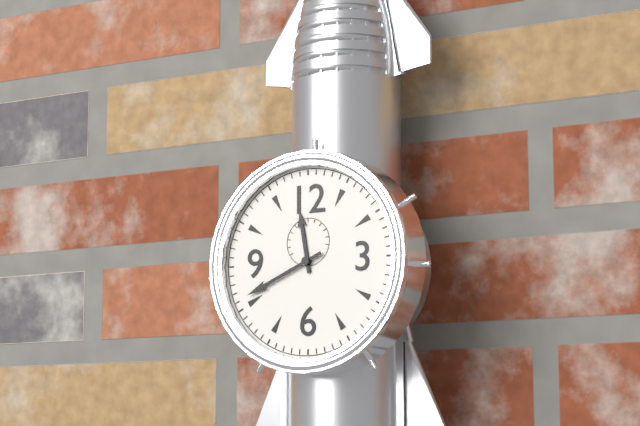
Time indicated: 11h41
